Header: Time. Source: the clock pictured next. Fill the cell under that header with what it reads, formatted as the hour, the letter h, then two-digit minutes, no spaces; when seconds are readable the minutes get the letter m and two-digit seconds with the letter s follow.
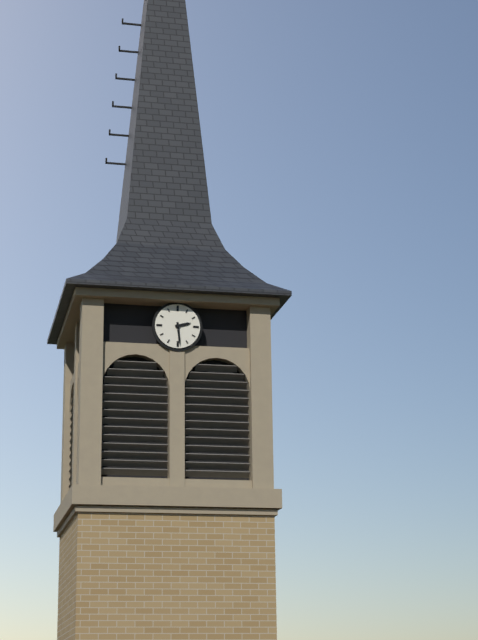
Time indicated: 2h29
